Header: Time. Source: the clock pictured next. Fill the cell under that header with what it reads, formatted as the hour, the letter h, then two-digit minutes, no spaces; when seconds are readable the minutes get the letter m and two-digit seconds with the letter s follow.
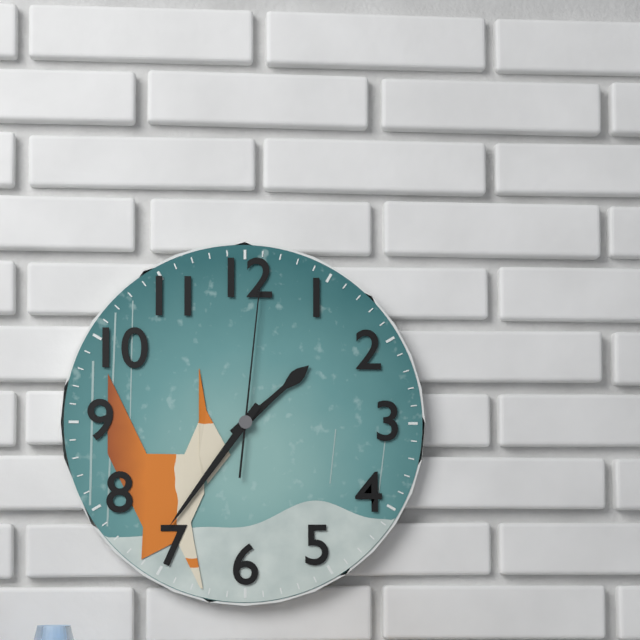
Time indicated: 1h36m01s
